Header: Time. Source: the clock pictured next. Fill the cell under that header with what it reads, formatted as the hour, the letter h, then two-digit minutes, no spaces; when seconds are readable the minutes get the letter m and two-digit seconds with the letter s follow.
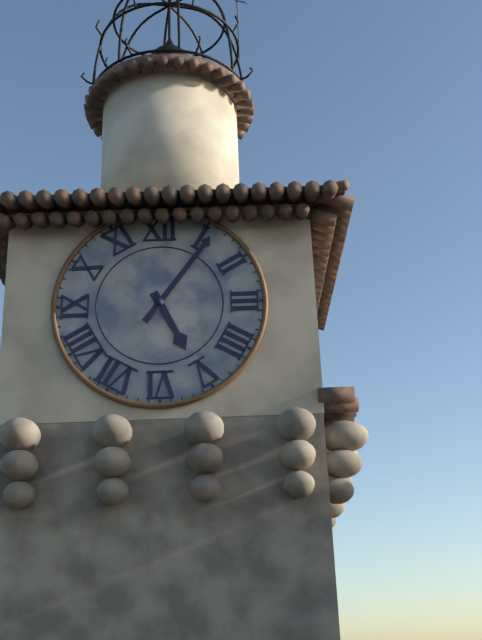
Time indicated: 5h06
